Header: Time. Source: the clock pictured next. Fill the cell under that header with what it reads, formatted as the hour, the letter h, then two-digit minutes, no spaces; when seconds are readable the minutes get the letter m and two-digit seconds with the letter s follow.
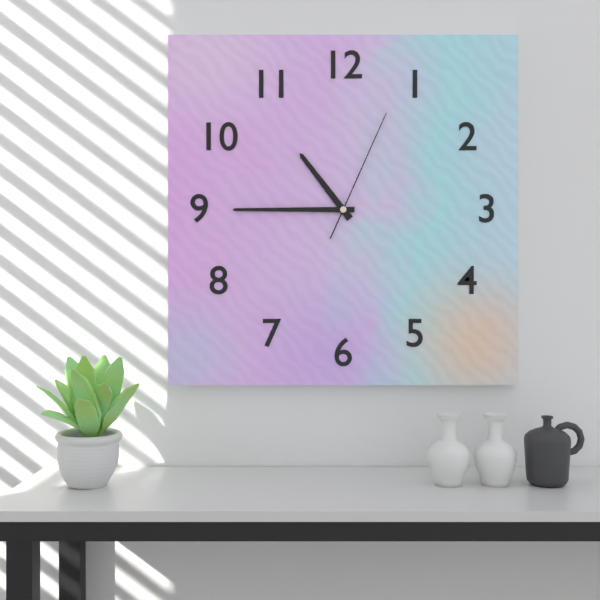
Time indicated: 10h45m04s
